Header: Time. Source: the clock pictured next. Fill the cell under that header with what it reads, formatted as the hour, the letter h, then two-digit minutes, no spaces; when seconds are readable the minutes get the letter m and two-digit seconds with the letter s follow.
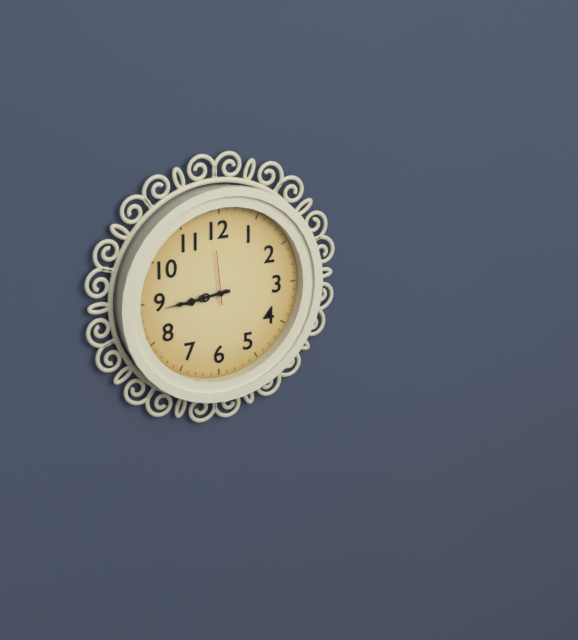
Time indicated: 8h44m59s
